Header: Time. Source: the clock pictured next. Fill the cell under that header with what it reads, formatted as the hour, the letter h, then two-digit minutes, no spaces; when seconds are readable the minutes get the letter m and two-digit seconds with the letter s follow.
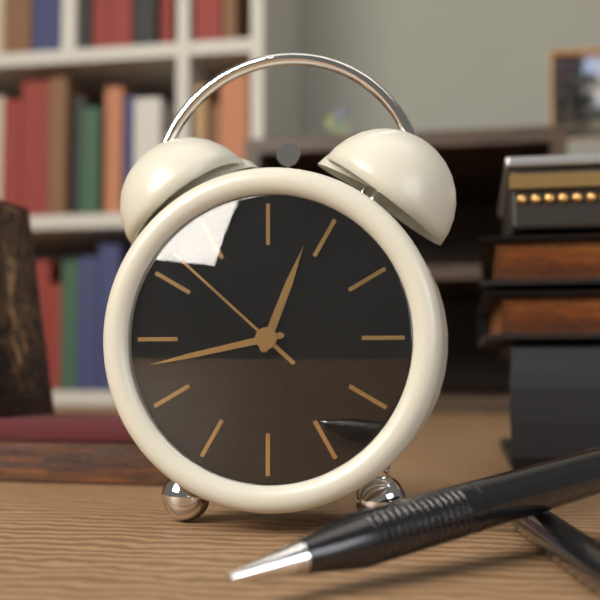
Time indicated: 12h43m52s
